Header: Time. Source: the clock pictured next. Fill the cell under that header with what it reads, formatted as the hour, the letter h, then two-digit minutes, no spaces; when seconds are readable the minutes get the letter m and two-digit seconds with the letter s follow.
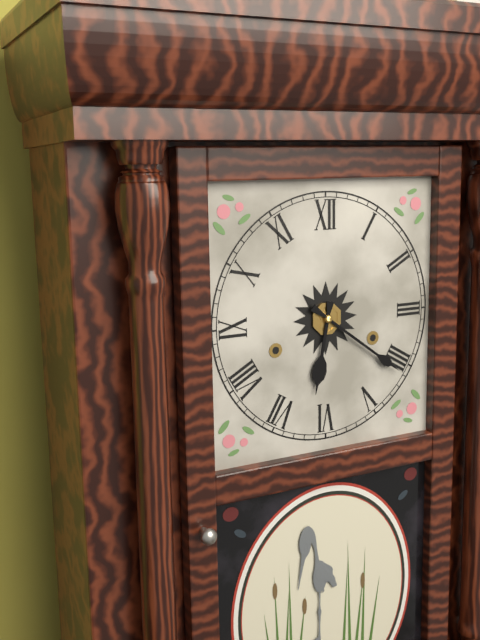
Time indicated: 6h21
